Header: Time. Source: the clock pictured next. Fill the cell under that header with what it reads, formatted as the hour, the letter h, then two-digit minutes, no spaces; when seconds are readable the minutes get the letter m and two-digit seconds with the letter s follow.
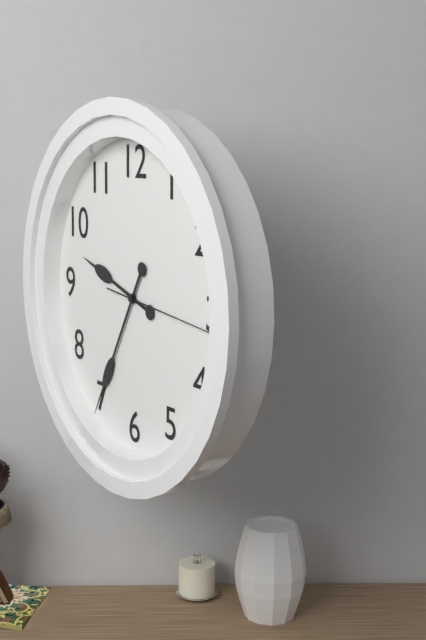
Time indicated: 9h35m16s
